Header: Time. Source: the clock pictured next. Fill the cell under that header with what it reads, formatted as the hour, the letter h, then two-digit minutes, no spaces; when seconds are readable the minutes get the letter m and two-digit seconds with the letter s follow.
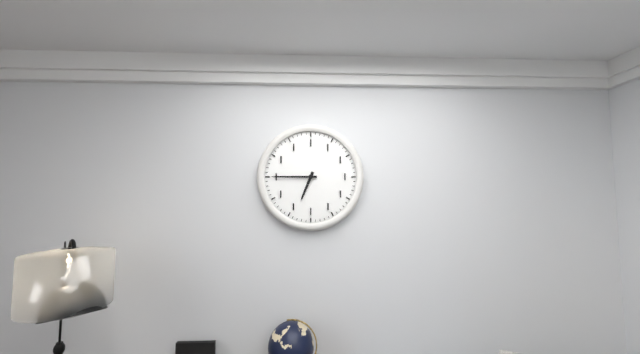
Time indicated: 6h45
